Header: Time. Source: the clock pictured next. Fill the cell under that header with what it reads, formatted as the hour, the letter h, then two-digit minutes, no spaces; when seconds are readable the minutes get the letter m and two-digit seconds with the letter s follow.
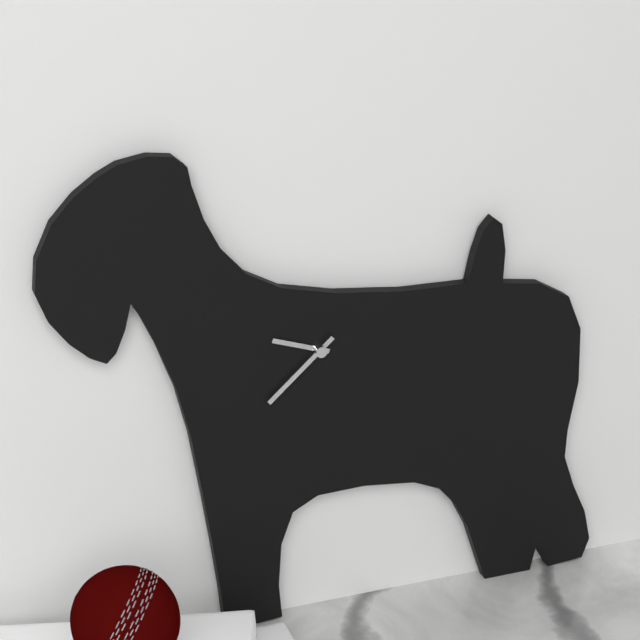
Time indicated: 9h38
